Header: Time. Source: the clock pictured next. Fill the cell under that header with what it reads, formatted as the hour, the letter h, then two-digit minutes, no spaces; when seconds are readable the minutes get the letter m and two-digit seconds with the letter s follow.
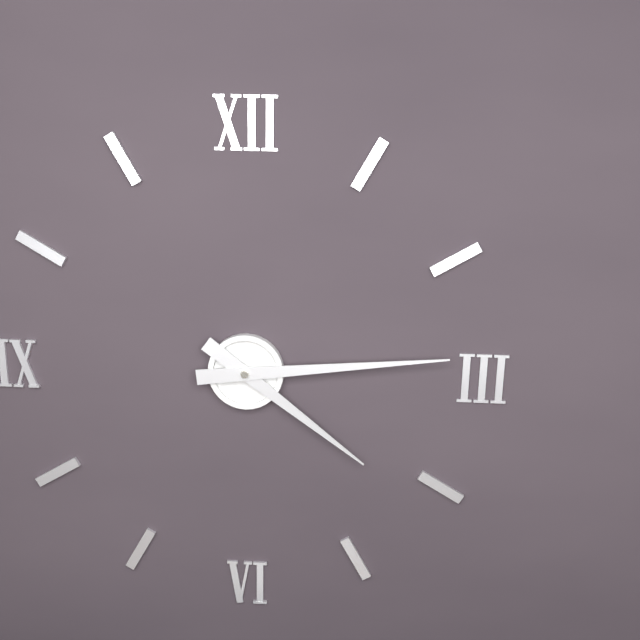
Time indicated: 4h14
